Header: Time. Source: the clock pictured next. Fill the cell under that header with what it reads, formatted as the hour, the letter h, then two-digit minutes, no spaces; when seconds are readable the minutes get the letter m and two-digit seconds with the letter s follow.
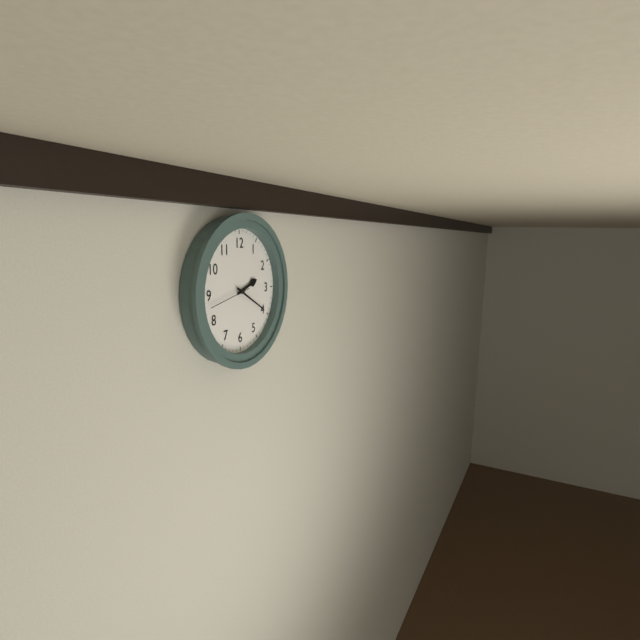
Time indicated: 2h20
